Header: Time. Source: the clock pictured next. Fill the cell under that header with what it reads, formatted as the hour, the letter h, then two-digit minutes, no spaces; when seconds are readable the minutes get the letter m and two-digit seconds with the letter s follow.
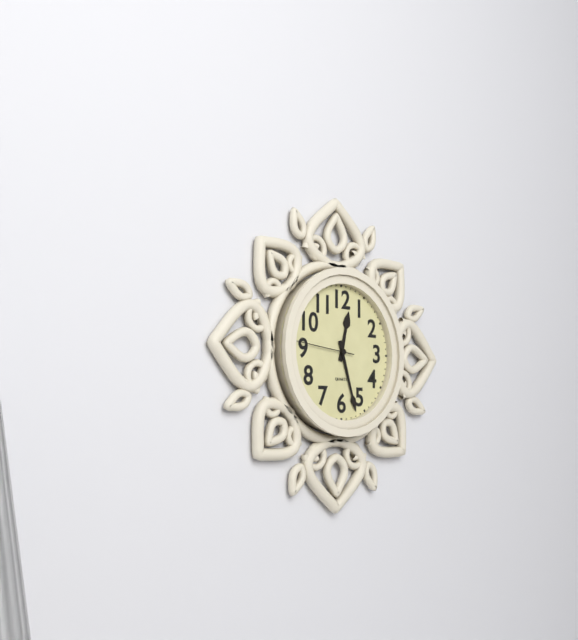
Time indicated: 12h27m46s
